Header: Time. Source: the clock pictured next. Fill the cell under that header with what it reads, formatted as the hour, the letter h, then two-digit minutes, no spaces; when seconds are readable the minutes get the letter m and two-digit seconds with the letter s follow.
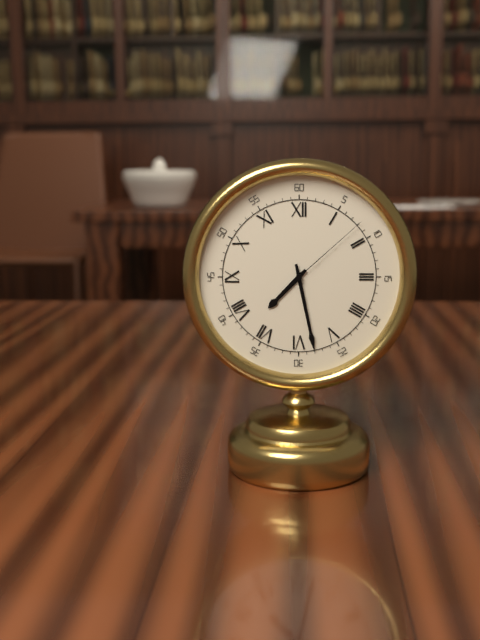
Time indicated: 7h28m08s
